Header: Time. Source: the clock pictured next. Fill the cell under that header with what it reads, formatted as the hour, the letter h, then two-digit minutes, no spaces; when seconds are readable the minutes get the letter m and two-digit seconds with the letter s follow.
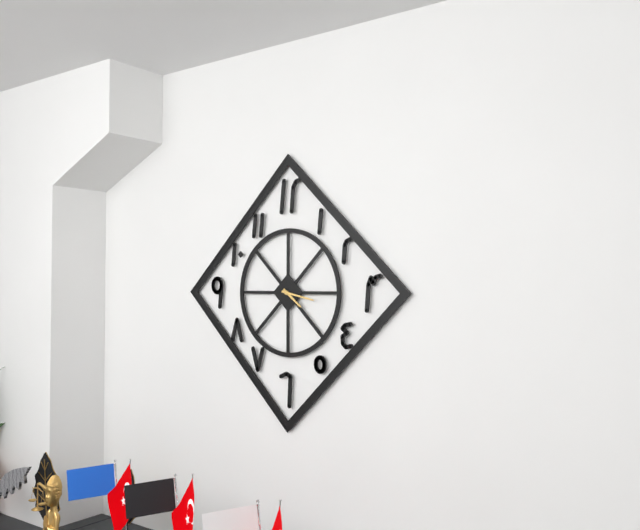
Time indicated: 4h17
